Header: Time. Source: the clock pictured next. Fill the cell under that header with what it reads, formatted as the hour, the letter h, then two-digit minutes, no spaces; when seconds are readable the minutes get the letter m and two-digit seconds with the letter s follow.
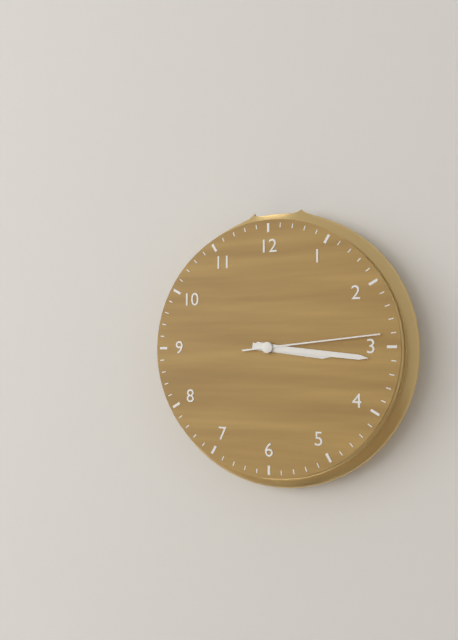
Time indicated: 3h16m14s
